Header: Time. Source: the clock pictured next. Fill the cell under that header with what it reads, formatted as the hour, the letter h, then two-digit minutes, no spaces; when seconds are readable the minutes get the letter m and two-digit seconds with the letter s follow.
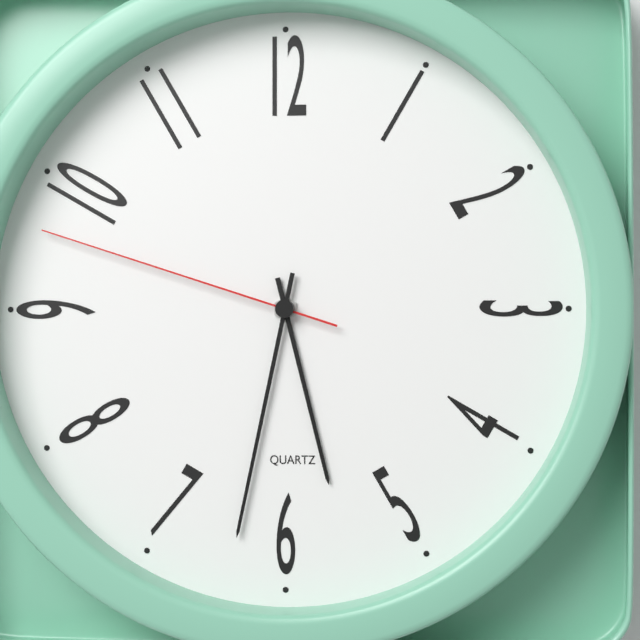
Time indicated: 5h32m48s
